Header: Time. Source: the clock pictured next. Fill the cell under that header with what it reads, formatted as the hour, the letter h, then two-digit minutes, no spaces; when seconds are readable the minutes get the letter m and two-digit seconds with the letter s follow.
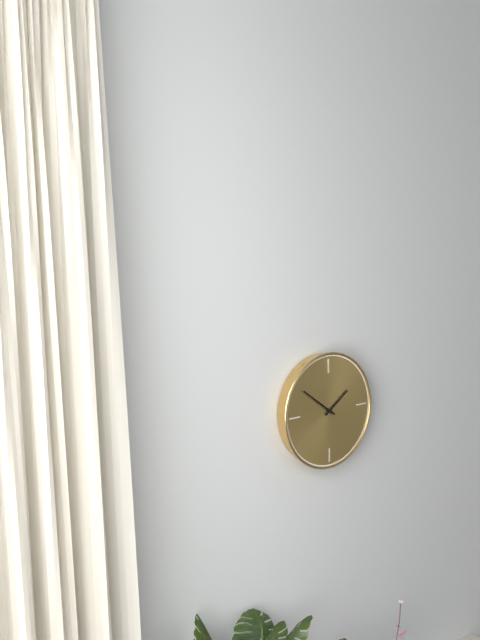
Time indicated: 1h51
